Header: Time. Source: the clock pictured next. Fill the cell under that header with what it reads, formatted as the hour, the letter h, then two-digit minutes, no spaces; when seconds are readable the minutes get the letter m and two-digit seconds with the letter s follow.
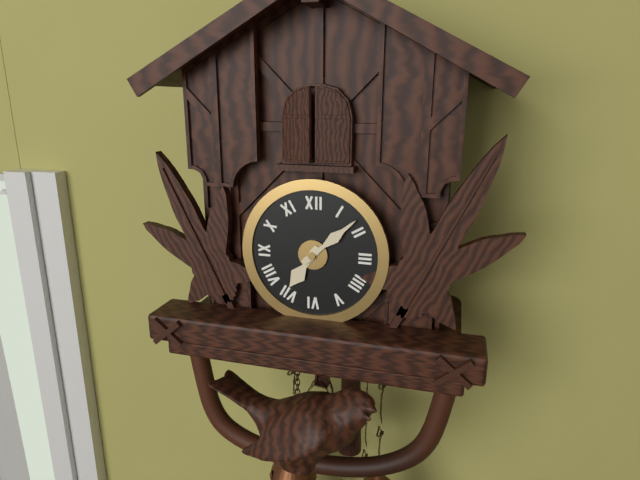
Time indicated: 7h08
